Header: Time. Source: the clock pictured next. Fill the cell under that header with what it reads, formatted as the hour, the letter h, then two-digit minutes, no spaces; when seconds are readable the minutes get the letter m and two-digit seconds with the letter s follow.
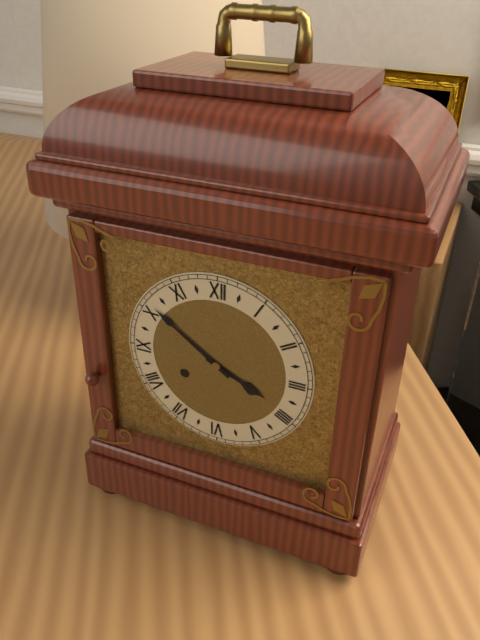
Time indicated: 3h51
